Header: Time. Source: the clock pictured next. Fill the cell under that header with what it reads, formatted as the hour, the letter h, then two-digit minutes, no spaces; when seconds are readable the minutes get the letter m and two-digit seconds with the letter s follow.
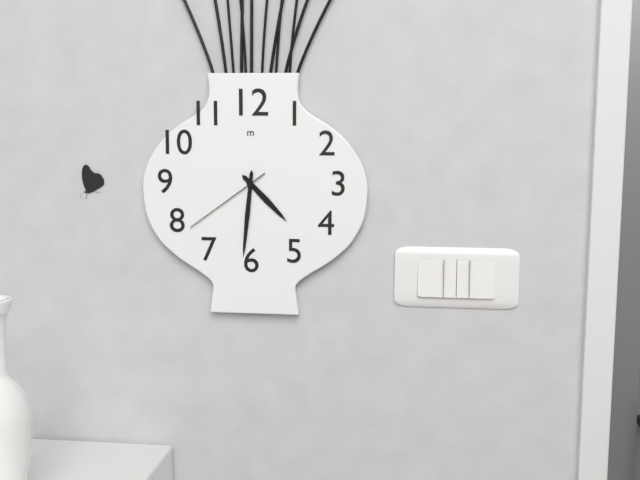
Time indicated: 4h31m39s
